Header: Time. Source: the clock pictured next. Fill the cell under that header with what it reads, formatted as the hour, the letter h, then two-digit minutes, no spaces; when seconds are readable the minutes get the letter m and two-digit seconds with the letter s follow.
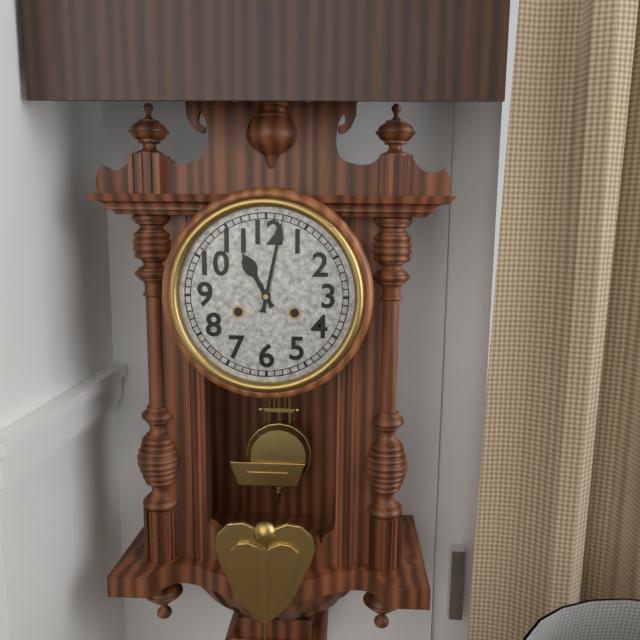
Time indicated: 11h02
